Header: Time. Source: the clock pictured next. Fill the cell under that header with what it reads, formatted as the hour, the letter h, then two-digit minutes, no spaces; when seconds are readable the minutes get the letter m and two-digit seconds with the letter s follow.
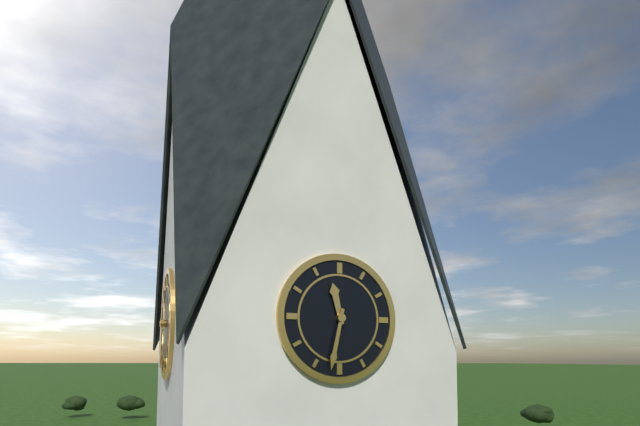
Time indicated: 11h32
